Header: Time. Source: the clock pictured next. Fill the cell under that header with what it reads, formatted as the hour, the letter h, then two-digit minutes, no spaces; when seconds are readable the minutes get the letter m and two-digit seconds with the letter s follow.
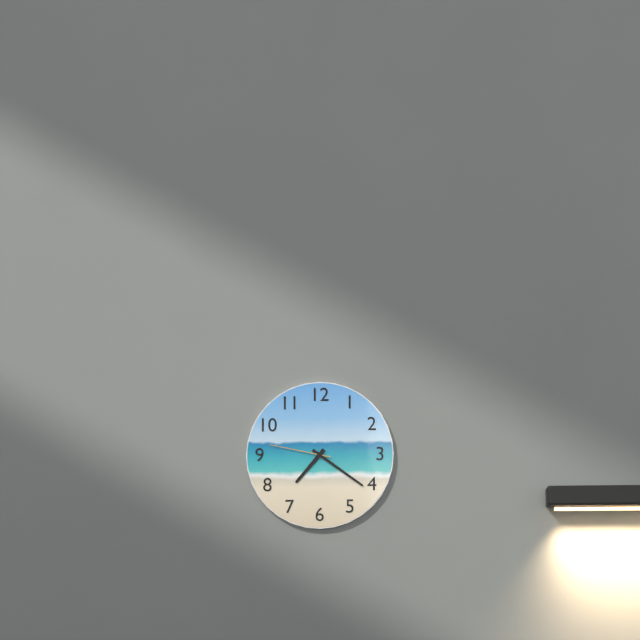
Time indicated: 7h21m47s
